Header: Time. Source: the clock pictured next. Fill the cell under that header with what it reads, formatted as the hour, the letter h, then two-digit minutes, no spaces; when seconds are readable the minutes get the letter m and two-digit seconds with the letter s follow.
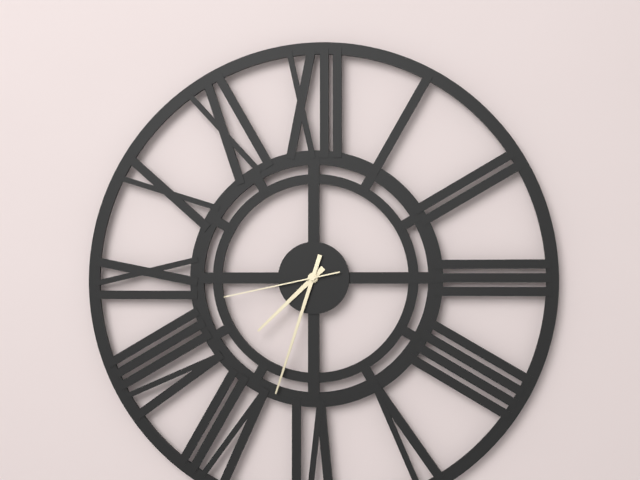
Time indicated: 7h33m43s
